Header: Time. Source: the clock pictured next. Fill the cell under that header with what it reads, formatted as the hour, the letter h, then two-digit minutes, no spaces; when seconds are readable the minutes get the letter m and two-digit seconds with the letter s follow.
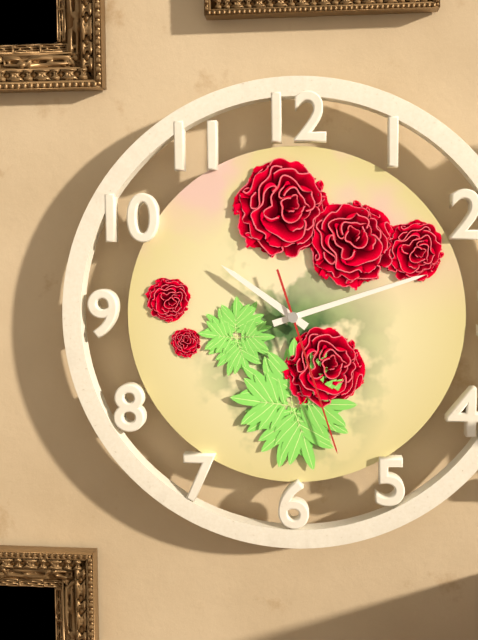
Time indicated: 10h12m27s
